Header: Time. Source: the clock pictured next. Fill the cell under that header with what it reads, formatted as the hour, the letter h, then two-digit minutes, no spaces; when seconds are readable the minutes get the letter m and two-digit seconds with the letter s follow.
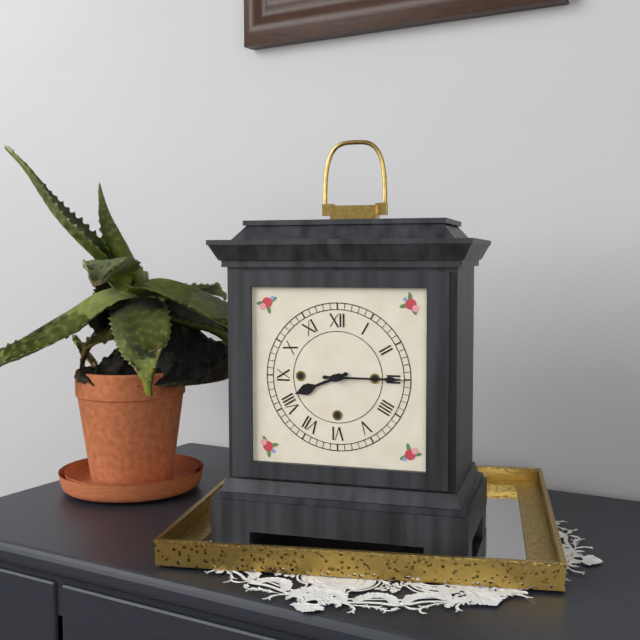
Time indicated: 8h15
